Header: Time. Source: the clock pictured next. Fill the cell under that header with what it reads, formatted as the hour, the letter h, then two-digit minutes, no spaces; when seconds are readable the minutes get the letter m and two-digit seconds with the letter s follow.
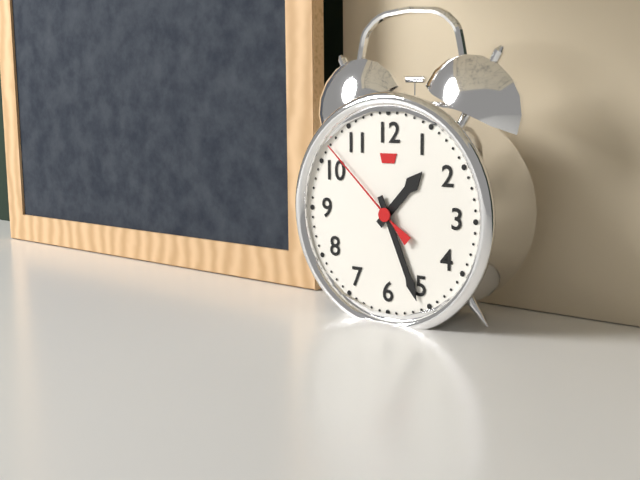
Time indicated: 1h26m52s
